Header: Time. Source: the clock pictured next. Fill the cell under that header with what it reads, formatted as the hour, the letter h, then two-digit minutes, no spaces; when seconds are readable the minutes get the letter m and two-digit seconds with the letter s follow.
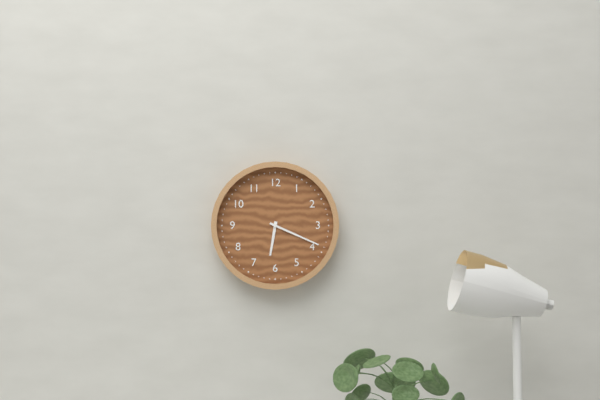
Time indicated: 6h19
